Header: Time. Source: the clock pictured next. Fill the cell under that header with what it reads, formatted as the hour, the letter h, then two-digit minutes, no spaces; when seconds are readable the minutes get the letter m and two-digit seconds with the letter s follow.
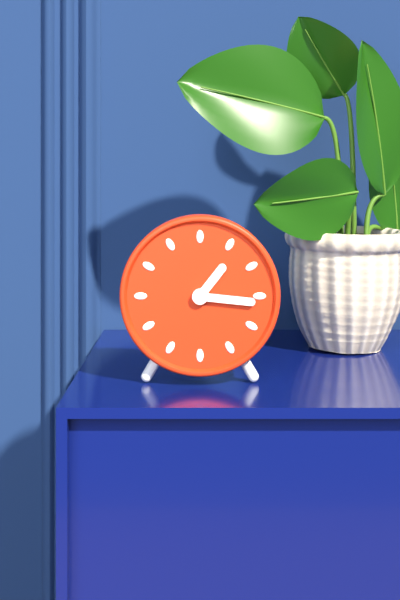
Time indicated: 1h16
